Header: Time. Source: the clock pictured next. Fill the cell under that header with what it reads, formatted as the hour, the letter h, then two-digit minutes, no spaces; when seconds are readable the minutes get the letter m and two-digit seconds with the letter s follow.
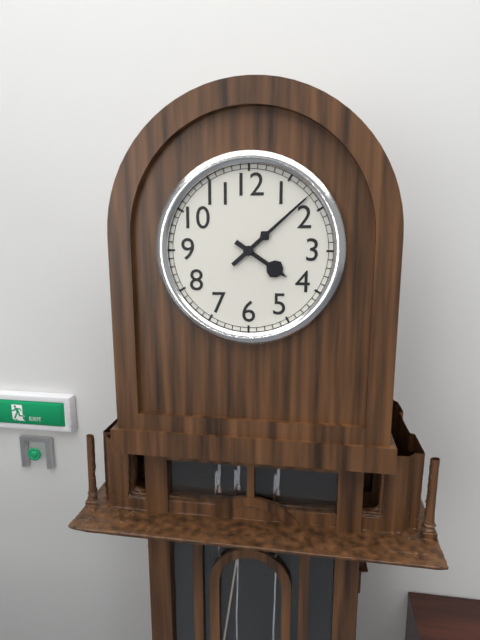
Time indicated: 4h08
